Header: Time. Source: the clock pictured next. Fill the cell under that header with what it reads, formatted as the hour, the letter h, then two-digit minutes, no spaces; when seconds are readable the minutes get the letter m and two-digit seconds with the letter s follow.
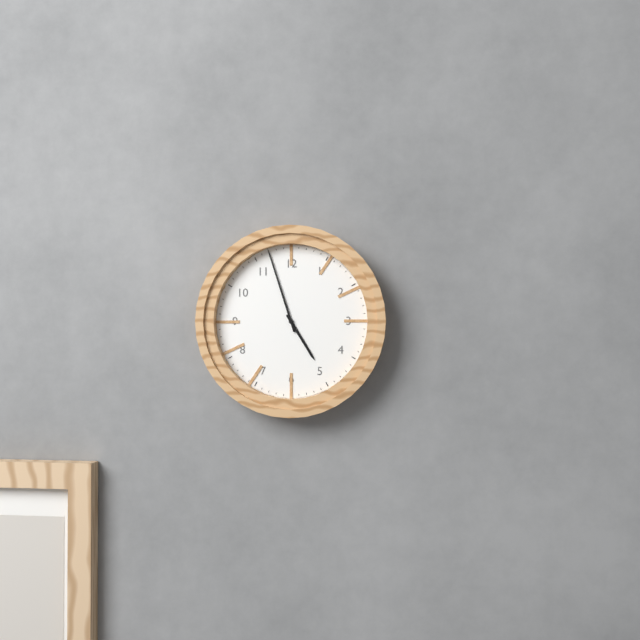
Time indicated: 4h57
